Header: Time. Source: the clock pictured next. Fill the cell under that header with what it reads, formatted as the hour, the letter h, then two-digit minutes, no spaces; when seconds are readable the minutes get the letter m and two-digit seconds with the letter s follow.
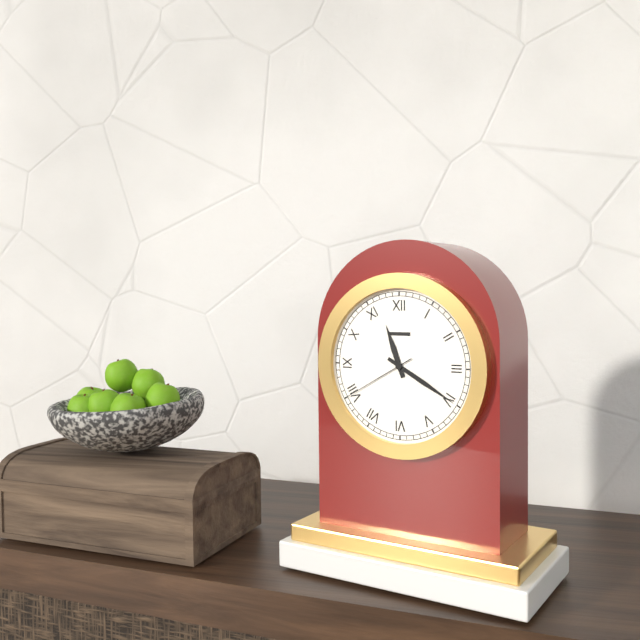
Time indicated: 11h20m40s
